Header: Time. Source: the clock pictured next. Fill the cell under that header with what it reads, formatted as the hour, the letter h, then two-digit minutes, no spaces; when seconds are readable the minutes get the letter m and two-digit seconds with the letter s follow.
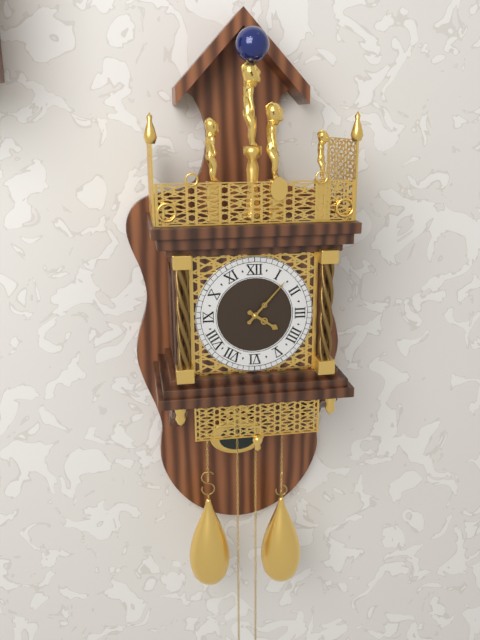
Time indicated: 4h07
